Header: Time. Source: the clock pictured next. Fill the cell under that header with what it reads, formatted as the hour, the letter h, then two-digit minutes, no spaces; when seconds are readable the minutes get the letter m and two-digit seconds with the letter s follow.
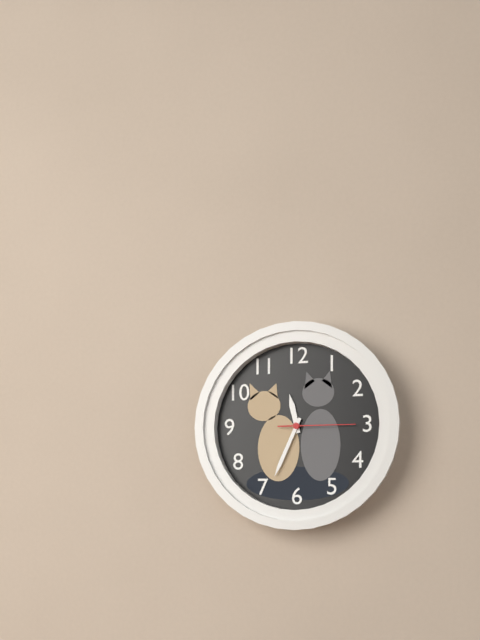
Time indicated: 11h34m15s
